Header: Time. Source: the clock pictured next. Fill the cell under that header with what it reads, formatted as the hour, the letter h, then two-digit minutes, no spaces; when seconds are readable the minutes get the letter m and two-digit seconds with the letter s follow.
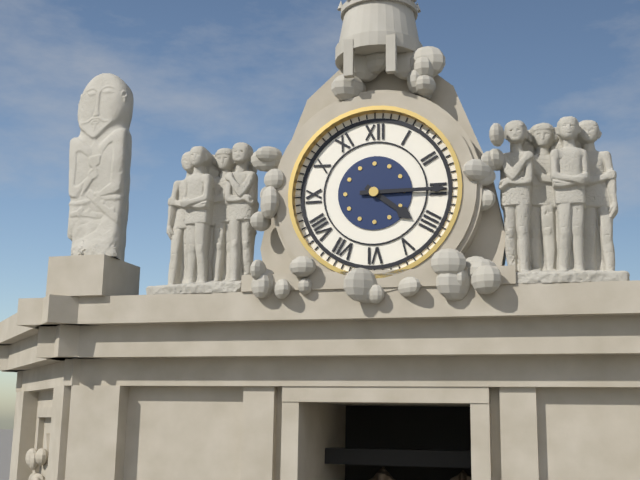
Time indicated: 4h15
